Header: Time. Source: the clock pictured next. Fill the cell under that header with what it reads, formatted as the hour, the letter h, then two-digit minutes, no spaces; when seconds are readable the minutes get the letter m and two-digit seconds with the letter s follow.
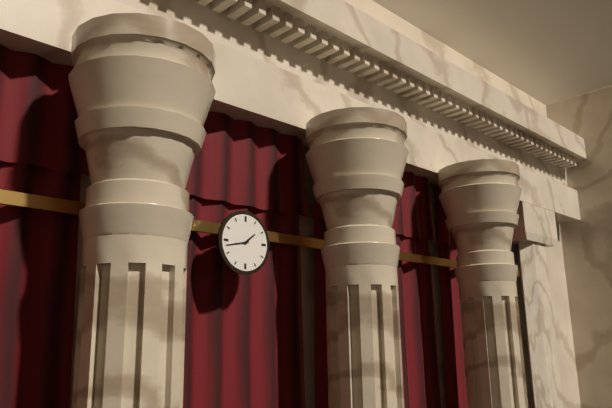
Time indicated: 1h43
